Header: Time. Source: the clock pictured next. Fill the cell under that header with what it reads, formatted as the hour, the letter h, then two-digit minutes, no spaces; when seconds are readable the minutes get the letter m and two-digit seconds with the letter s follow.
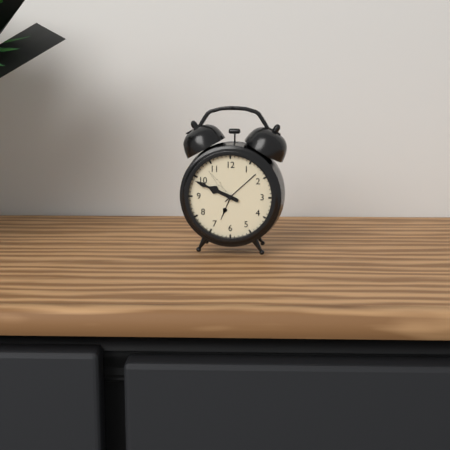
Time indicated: 9h49
